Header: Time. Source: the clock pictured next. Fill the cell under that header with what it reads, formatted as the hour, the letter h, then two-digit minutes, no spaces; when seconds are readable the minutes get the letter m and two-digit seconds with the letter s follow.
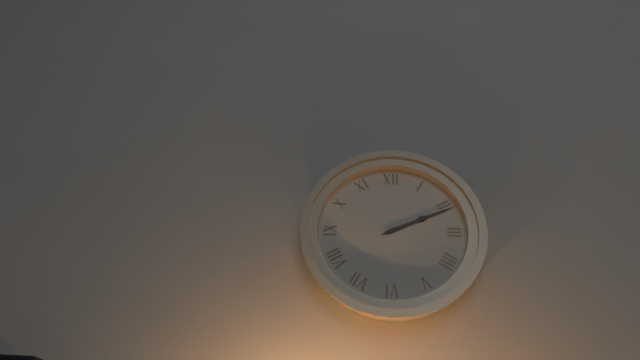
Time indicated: 2h11
